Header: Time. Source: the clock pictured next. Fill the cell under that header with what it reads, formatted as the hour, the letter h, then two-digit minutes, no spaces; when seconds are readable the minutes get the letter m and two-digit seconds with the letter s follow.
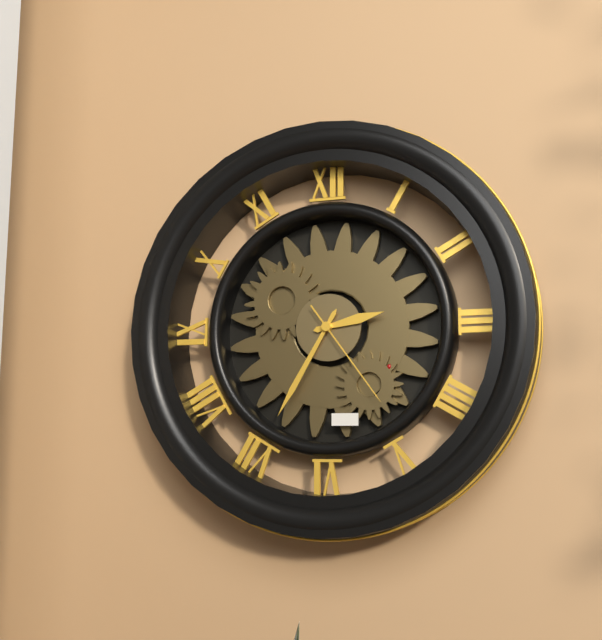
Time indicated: 2h35m24s
